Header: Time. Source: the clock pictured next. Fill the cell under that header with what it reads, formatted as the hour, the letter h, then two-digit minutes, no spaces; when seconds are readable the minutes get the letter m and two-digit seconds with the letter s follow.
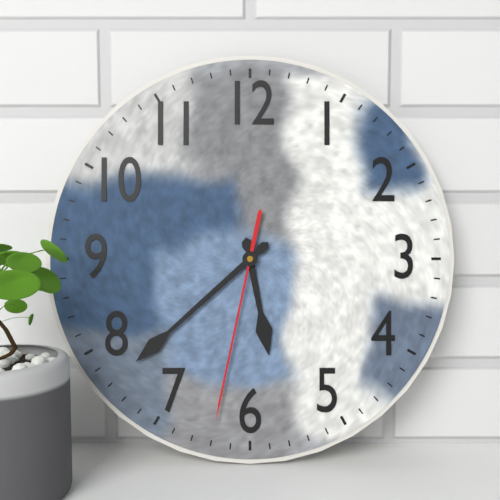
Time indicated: 5h38m32s
